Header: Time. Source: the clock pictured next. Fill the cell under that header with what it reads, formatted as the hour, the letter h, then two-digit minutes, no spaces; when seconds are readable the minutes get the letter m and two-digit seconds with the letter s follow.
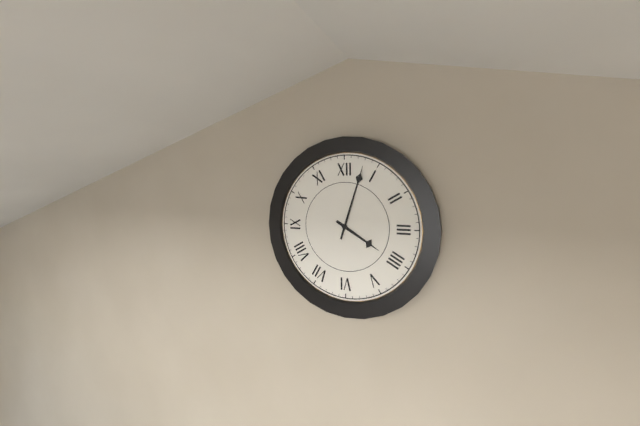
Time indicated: 4h03
